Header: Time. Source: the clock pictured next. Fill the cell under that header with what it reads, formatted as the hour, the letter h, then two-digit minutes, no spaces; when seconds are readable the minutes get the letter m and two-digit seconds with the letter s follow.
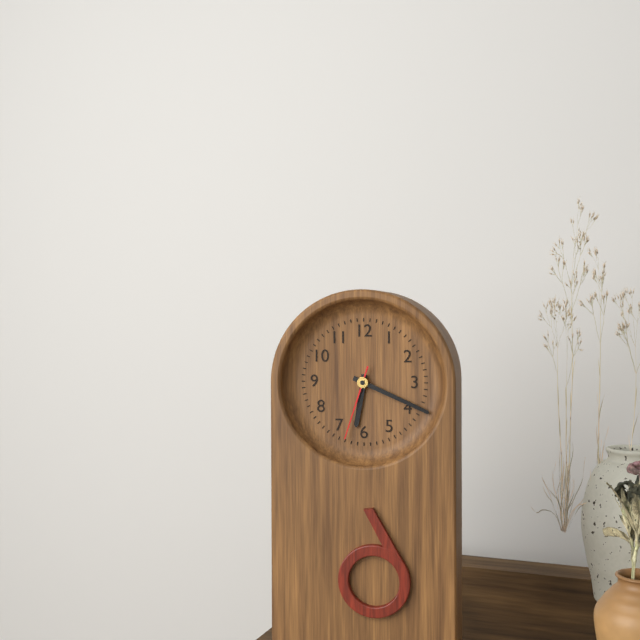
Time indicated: 6h19m33s
